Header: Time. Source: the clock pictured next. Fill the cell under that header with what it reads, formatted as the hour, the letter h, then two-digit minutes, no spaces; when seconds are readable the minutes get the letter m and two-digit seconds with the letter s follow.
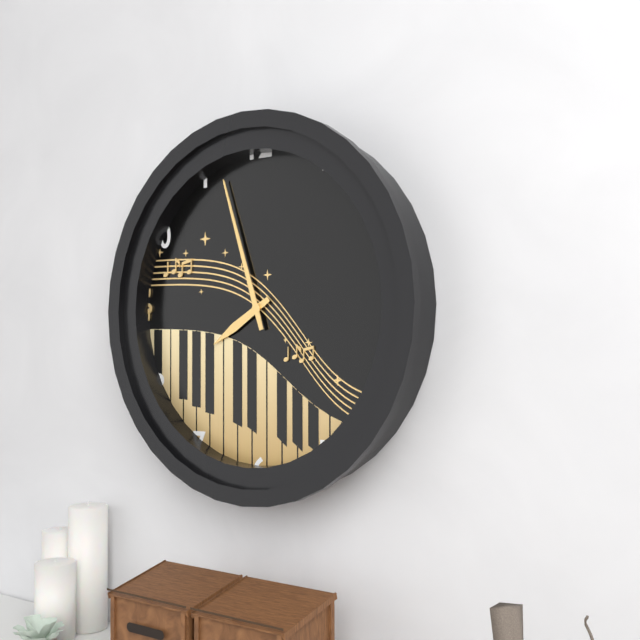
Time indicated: 7h57
